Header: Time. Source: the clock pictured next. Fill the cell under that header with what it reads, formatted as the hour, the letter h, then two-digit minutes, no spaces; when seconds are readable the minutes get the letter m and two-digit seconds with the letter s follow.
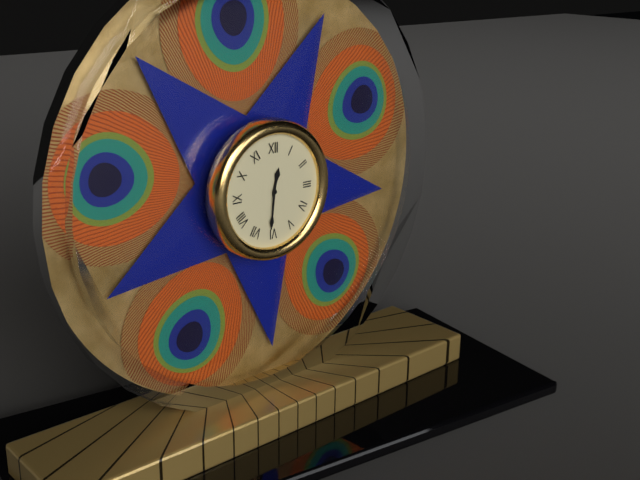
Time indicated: 12h31
